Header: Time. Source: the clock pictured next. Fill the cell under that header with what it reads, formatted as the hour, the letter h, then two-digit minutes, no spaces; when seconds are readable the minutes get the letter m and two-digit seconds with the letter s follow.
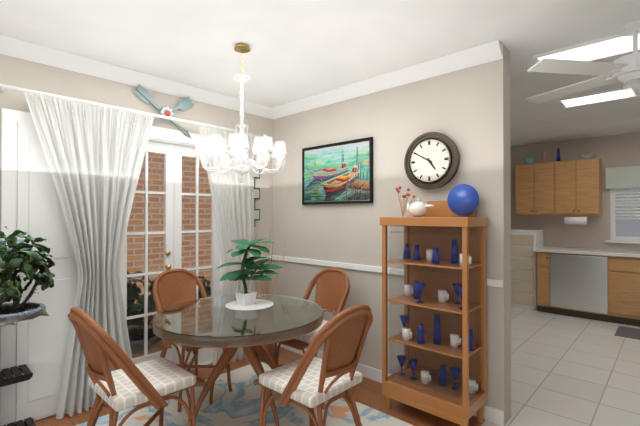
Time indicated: 4h50
